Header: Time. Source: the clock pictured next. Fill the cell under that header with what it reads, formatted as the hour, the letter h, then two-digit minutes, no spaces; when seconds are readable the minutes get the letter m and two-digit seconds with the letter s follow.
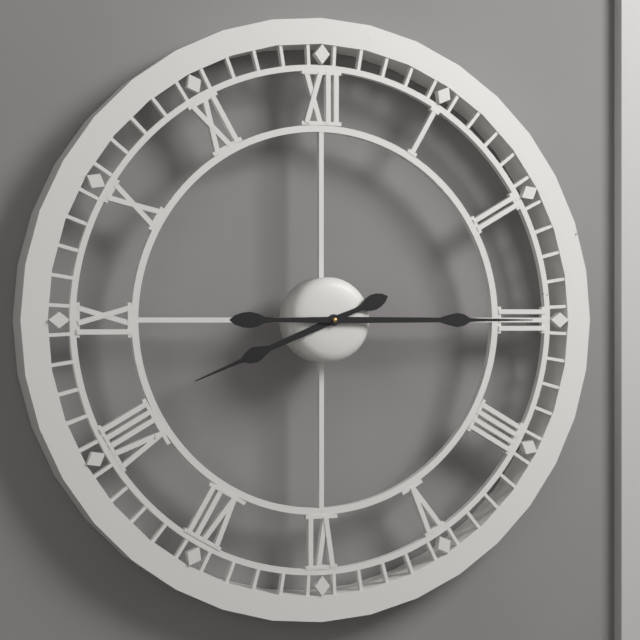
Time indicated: 8h15
